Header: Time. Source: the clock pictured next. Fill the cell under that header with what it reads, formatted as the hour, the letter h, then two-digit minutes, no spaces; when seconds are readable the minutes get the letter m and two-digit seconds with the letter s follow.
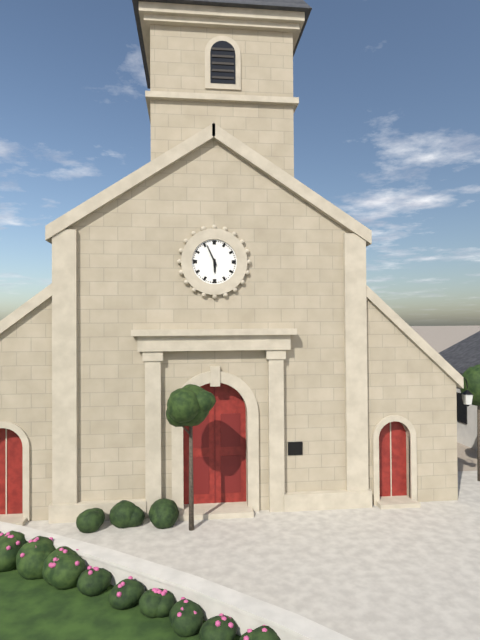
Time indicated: 5h56
